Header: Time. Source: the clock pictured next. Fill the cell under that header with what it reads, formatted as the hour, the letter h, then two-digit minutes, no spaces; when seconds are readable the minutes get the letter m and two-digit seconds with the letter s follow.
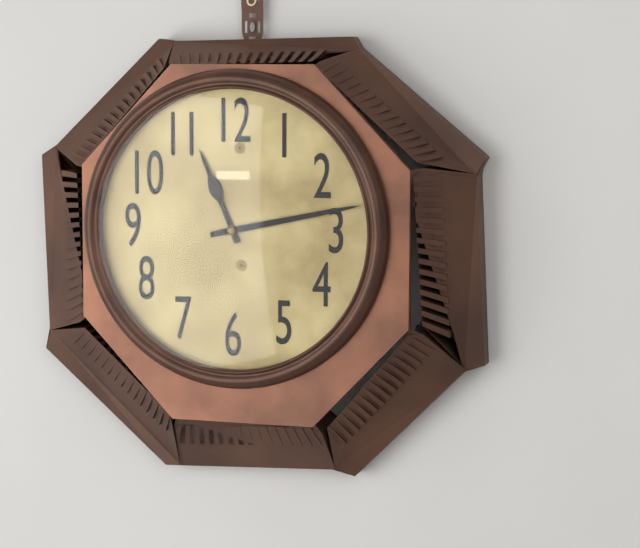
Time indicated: 11h13
